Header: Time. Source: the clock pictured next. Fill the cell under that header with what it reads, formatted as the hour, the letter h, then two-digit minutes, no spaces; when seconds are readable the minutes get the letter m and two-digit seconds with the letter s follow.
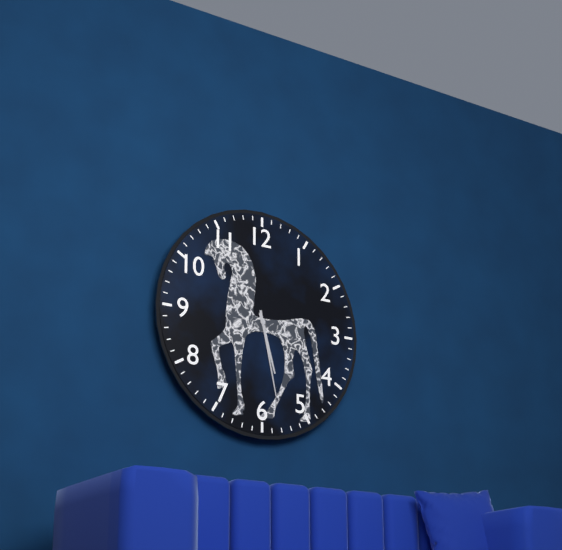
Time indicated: 5h28
